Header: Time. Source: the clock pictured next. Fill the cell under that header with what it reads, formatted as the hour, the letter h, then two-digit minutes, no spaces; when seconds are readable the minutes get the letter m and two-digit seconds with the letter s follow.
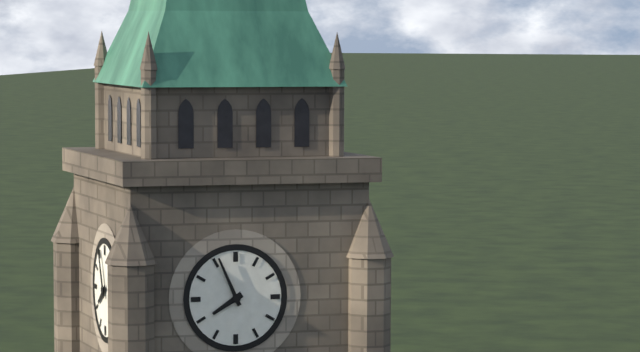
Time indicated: 7h56
